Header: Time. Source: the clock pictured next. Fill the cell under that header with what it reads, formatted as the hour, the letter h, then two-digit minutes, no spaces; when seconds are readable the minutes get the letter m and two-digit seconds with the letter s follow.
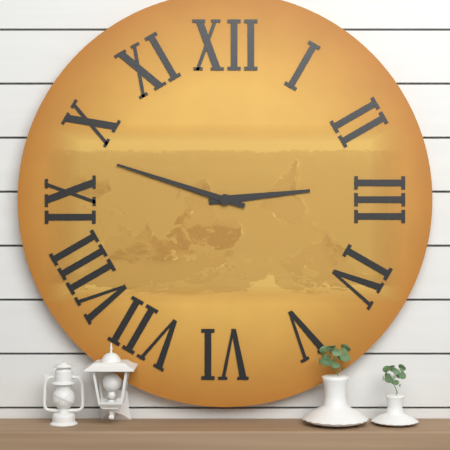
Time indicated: 2h48
